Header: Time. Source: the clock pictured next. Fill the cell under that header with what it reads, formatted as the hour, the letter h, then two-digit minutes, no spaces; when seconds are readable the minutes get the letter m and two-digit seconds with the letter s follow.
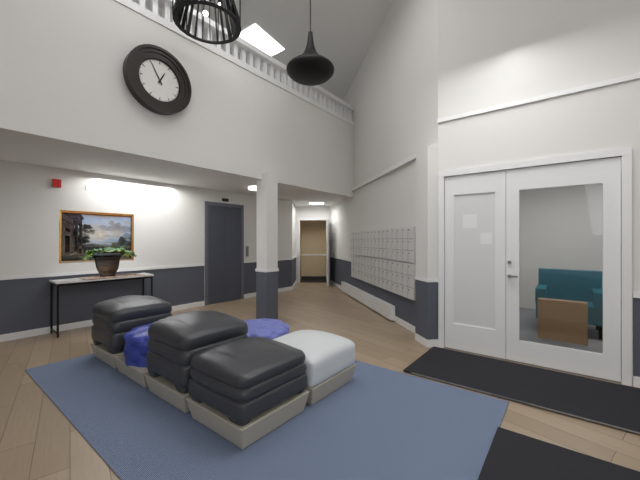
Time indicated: 12h55
